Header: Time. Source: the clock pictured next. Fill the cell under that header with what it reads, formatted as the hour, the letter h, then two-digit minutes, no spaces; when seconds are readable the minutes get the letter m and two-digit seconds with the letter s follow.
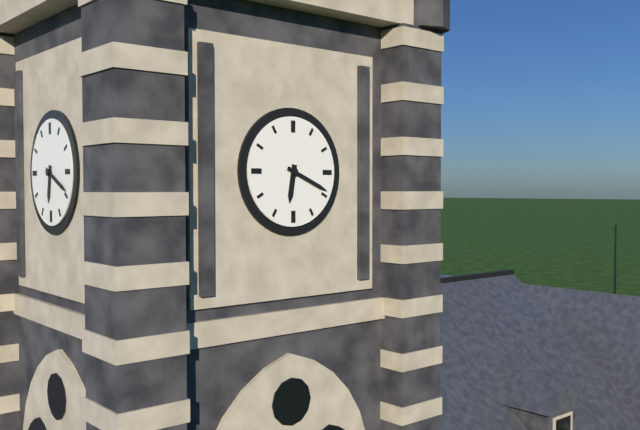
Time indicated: 6h19
